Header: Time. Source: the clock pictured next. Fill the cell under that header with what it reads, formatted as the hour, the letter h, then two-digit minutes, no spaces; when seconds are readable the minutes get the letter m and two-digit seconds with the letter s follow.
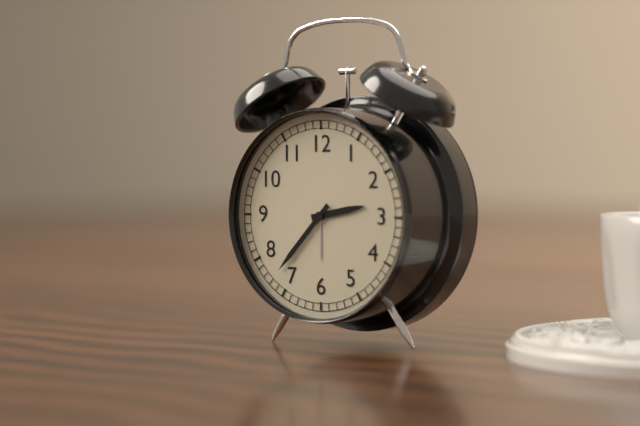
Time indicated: 2h37
